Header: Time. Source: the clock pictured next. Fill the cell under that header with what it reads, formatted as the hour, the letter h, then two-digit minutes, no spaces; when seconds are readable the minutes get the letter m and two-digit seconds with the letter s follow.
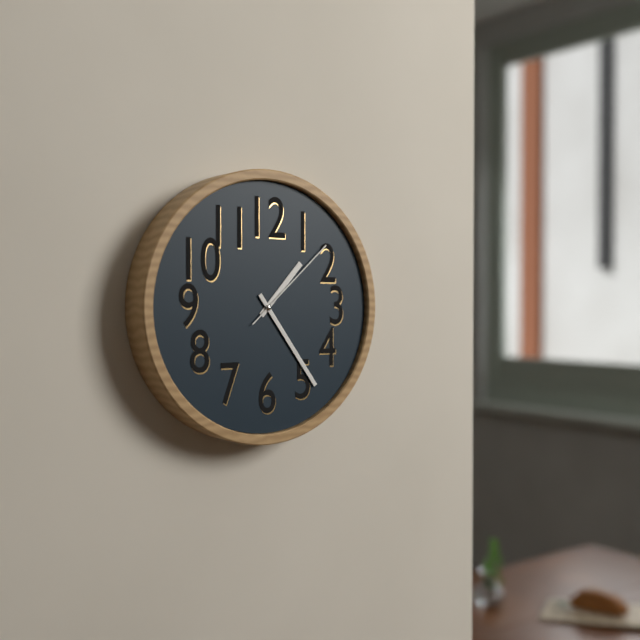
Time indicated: 1h24m08s
